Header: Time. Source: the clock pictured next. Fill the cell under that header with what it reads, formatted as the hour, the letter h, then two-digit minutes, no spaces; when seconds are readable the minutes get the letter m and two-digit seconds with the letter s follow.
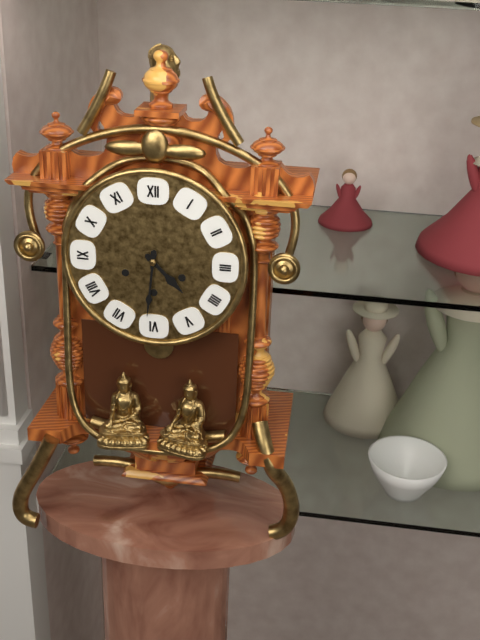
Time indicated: 4h31
